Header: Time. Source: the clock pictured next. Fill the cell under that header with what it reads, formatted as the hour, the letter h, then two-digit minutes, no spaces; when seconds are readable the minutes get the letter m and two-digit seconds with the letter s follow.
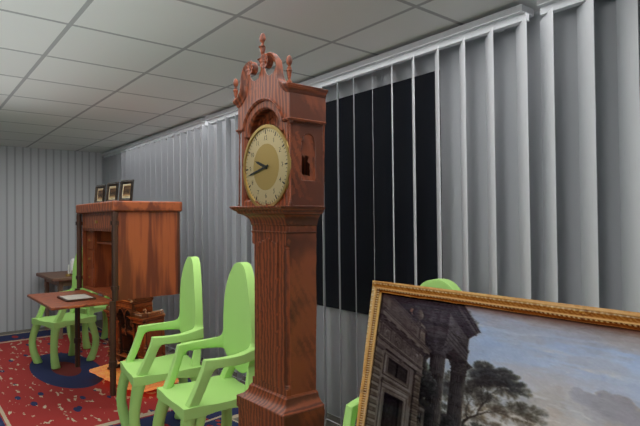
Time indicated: 9h43
